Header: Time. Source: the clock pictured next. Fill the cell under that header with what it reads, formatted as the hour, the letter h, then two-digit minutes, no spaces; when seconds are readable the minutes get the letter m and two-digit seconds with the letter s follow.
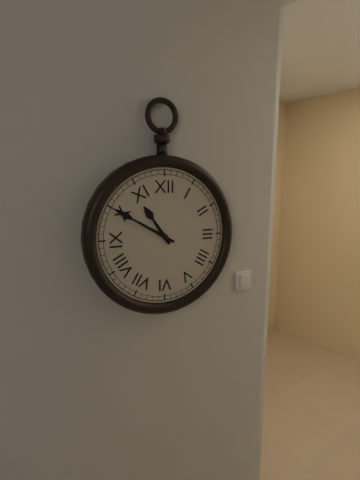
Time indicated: 10h50
